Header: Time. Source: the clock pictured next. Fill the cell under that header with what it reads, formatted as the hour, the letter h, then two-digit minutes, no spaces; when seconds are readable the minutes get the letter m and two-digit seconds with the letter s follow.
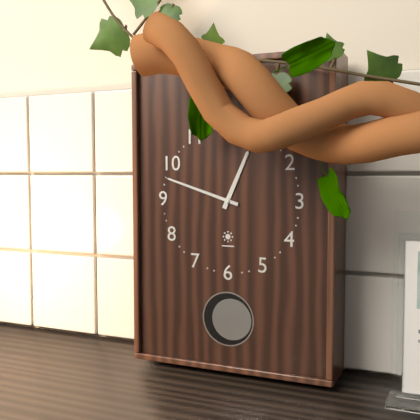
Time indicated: 12h48
